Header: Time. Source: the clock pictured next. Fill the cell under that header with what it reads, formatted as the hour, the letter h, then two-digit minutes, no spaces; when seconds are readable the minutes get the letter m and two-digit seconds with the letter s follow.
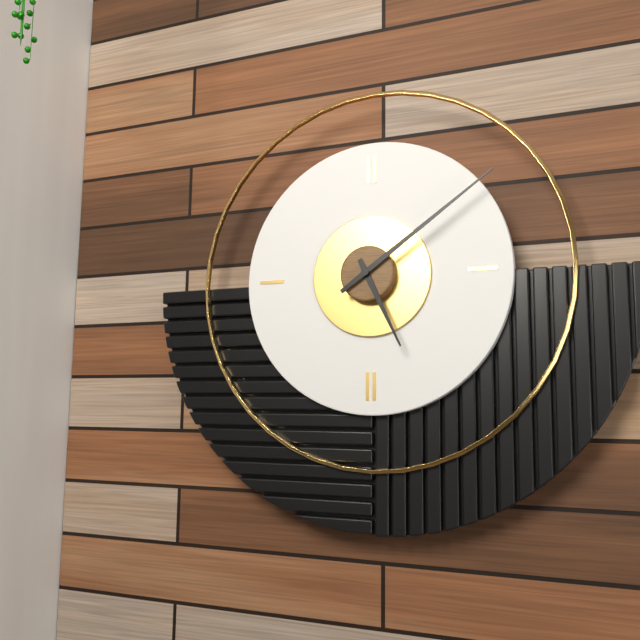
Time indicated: 5h09
